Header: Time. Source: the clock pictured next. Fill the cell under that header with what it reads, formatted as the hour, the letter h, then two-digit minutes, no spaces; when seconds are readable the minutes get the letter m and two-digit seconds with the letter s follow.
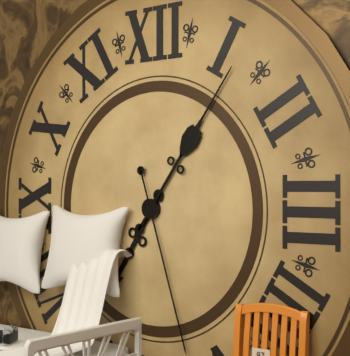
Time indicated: 7h06m27s
